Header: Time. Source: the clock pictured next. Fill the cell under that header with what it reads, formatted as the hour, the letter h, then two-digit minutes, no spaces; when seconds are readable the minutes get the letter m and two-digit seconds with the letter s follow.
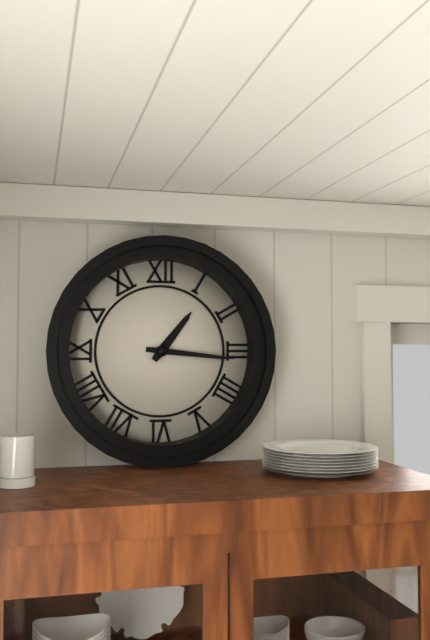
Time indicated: 1h16
